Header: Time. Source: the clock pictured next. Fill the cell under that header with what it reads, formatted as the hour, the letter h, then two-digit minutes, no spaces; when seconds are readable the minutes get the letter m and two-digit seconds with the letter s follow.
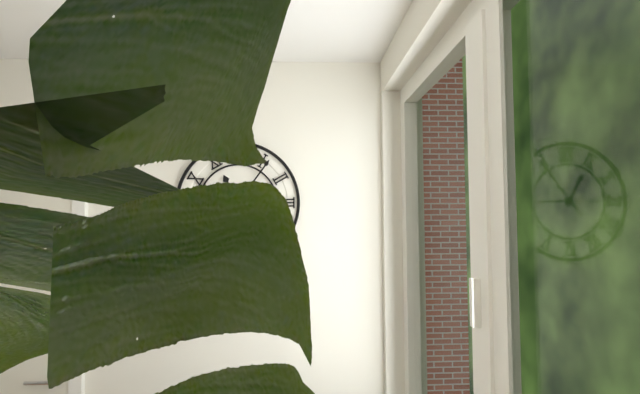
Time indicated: 11h06
